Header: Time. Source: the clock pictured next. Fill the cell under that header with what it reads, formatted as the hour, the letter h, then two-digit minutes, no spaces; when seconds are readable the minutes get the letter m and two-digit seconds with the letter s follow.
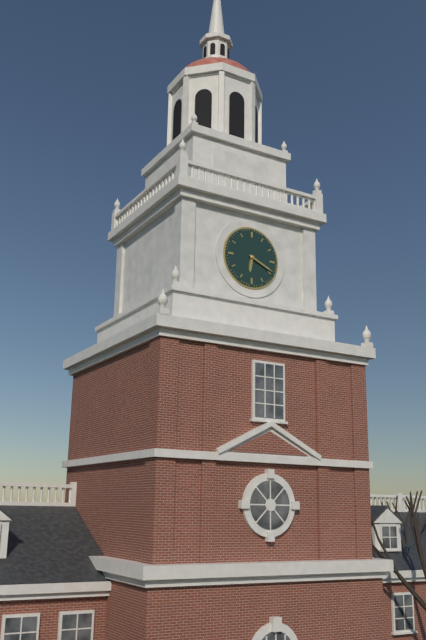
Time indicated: 6h19
